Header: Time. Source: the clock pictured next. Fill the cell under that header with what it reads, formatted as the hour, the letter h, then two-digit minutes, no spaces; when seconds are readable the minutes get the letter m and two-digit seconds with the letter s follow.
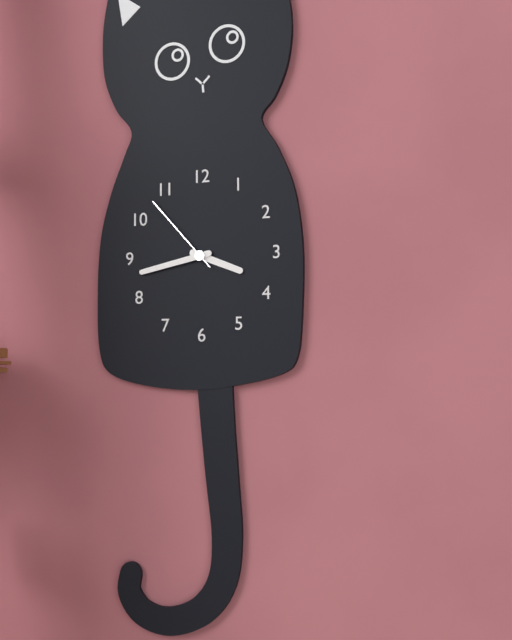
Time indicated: 3h43m53s
